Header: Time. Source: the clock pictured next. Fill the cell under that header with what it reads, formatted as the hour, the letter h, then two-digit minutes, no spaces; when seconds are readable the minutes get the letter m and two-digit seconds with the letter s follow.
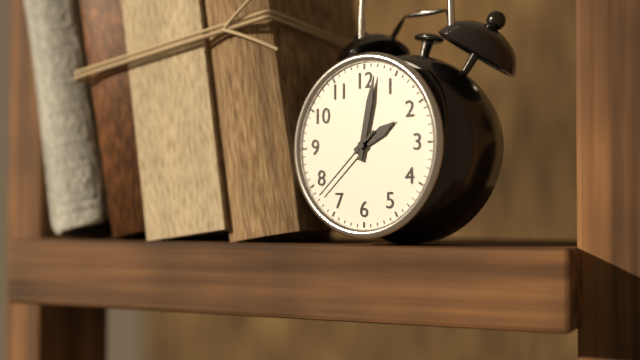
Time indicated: 2h02m38s
